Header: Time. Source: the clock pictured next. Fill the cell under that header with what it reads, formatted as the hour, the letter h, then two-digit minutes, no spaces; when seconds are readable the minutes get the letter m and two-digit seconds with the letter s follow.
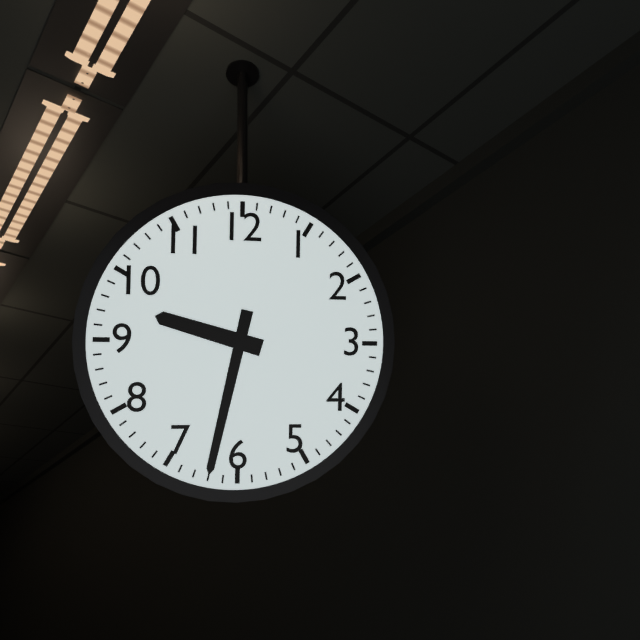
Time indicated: 9h32
